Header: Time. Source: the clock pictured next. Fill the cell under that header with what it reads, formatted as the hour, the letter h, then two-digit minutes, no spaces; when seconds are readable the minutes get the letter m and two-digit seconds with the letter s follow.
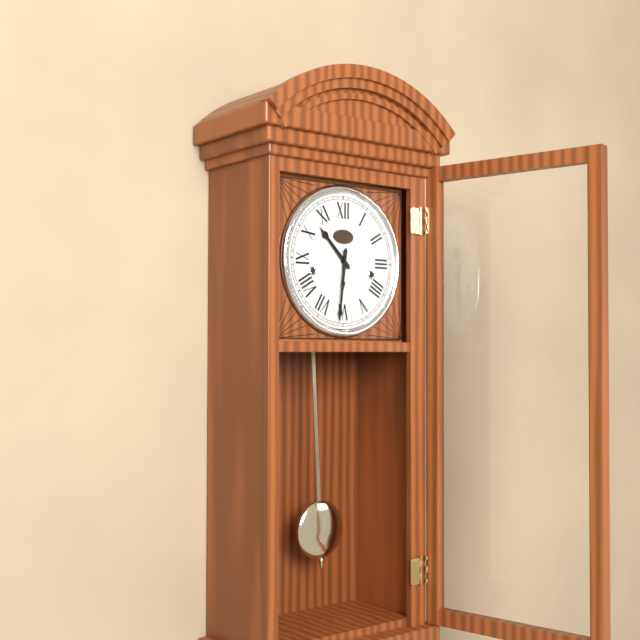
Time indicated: 10h31
